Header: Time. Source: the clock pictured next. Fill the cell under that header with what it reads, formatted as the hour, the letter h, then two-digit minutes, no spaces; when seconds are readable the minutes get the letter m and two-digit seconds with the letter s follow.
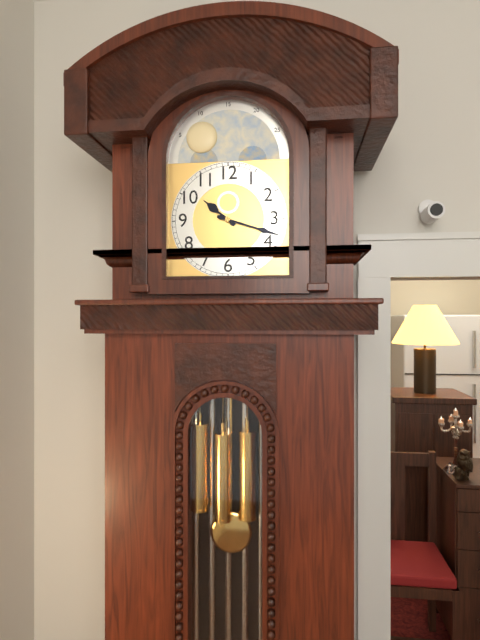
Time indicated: 10h18
